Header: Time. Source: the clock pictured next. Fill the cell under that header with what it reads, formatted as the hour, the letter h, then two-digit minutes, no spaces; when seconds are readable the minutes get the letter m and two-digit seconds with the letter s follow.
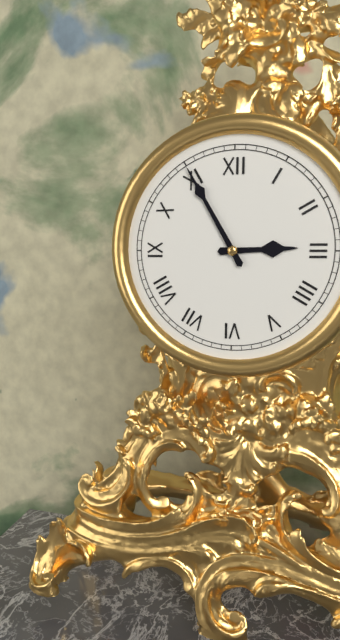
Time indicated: 2h55
